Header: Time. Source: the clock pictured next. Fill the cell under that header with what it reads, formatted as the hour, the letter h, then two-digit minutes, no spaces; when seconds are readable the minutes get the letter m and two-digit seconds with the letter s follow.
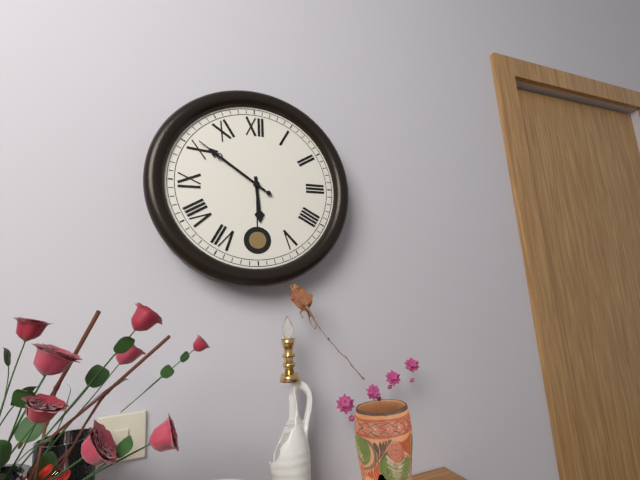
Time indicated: 5h51m51s
